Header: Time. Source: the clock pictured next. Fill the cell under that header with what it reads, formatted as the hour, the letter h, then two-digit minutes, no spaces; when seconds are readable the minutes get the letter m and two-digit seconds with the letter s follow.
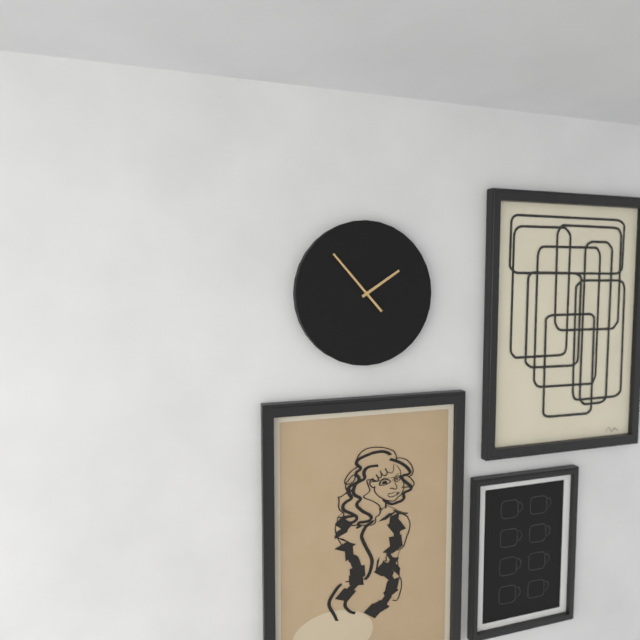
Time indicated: 1h53
